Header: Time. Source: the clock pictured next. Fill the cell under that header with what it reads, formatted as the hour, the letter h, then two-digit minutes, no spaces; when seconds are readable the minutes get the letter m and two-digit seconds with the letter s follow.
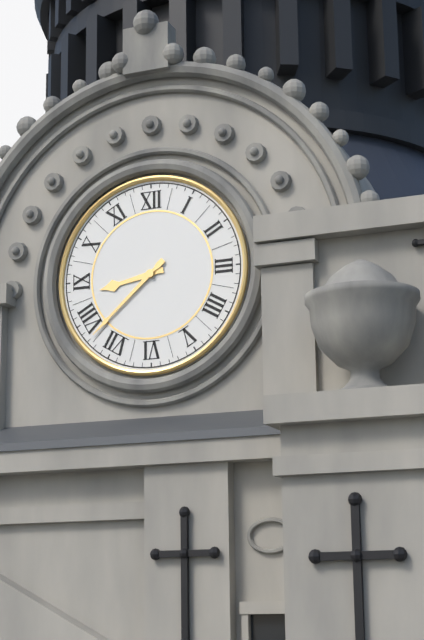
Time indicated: 8h38
